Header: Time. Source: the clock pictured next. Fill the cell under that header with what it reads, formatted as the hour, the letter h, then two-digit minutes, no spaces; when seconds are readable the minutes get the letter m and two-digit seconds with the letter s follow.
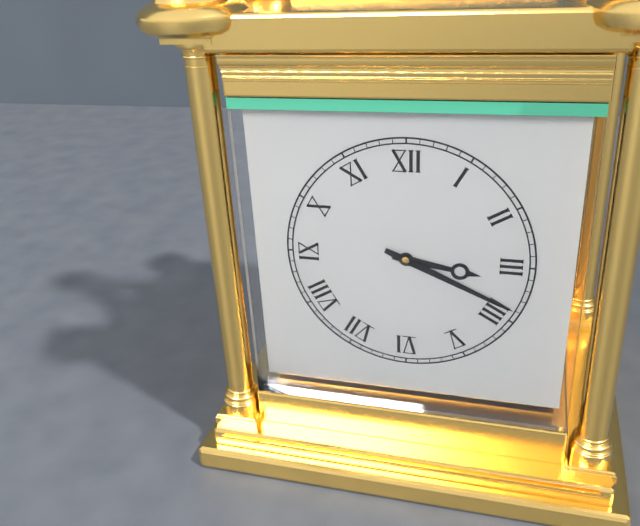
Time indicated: 3h19
